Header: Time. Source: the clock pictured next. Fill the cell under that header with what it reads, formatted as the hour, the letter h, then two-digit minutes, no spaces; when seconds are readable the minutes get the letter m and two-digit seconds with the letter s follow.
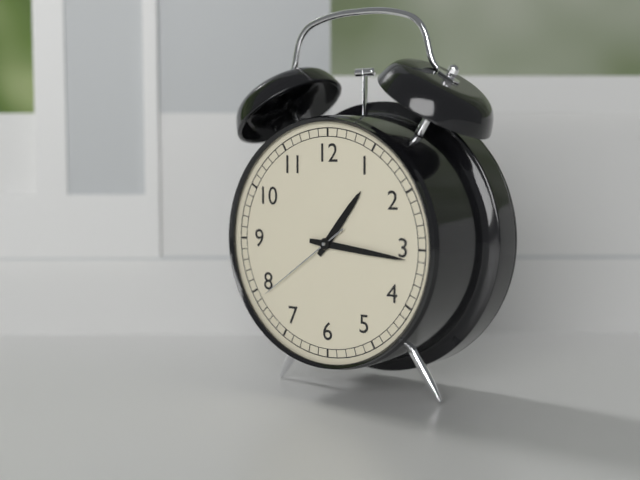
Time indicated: 1h16m39s
